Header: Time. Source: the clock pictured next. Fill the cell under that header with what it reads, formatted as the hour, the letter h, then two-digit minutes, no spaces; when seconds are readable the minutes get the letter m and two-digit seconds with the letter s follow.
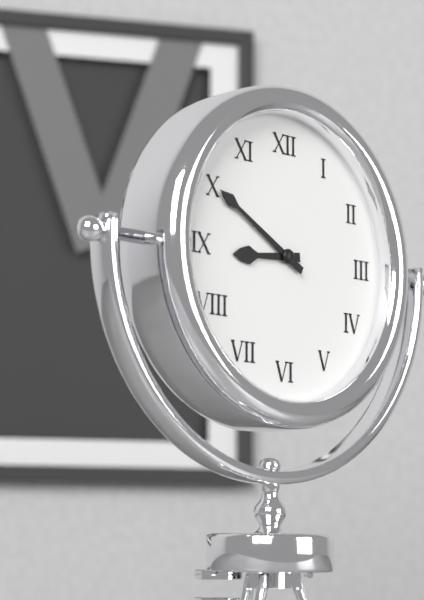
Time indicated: 8h50
